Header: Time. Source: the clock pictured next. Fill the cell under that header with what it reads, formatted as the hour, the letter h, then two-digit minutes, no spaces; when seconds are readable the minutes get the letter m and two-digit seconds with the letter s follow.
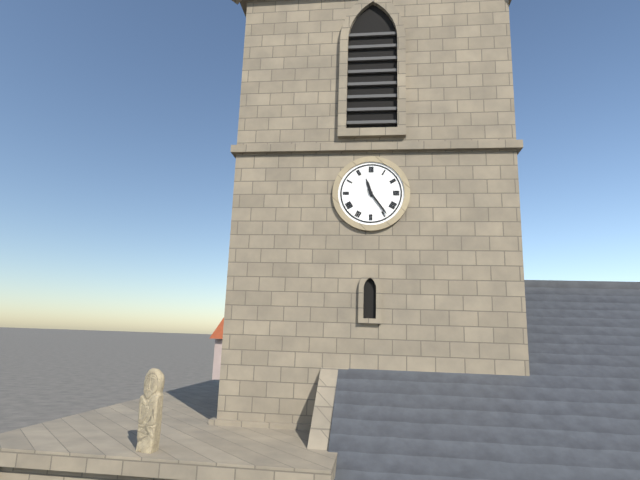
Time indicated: 11h24
